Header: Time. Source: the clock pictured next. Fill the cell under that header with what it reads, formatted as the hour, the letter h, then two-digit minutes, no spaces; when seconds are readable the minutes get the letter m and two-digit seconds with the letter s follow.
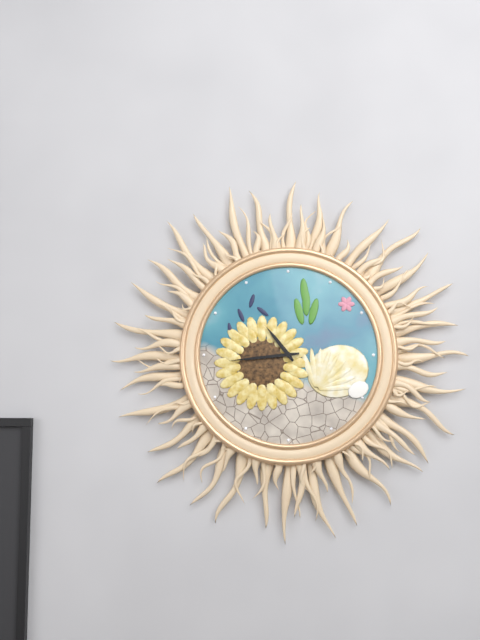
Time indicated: 10h44
